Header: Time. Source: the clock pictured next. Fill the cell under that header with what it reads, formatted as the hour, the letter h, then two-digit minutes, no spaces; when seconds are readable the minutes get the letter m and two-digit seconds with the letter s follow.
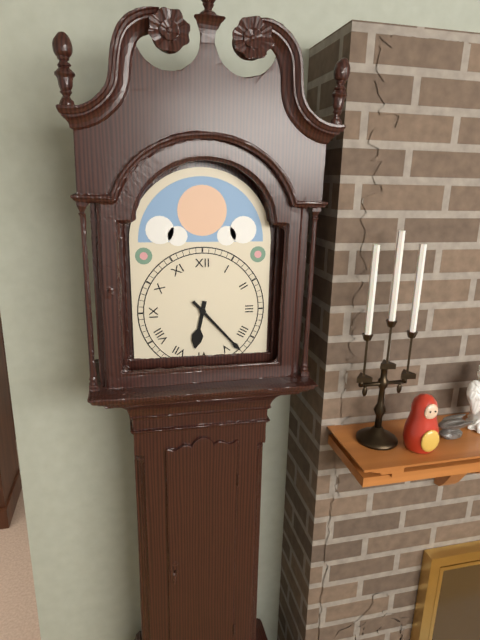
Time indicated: 6h23
